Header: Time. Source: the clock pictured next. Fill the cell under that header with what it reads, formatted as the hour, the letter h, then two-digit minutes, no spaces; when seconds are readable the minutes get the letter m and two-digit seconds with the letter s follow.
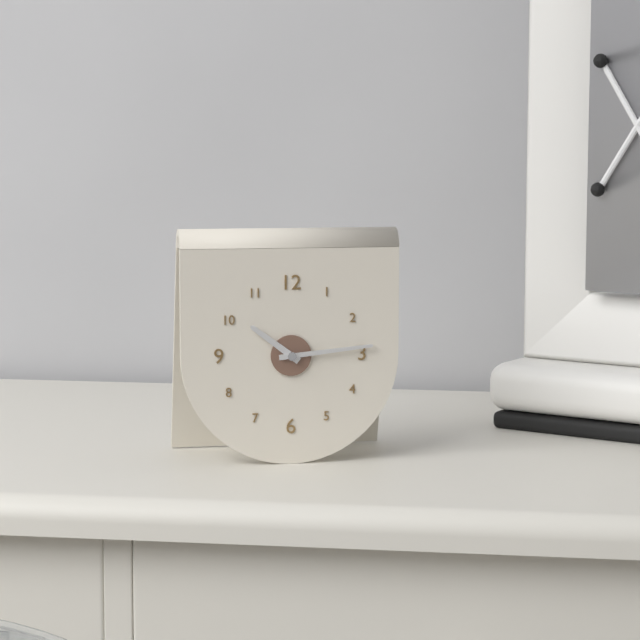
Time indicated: 10h14
